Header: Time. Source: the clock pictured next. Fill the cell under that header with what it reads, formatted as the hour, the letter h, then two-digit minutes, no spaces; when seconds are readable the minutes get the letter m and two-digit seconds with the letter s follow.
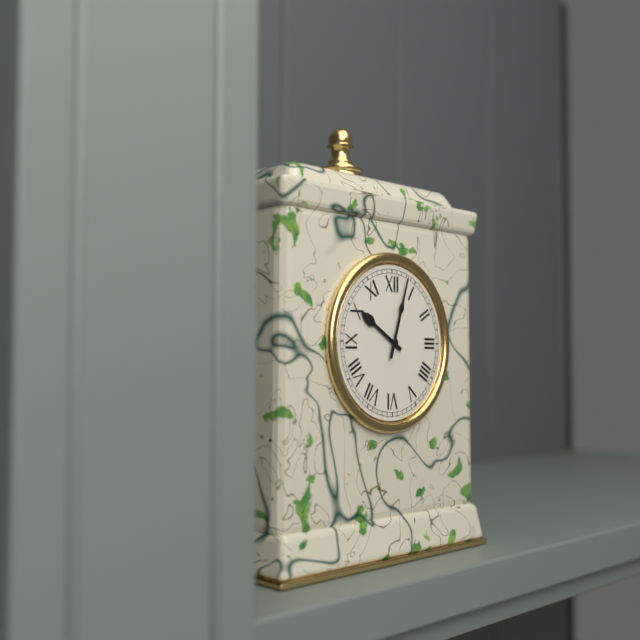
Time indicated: 10h03
